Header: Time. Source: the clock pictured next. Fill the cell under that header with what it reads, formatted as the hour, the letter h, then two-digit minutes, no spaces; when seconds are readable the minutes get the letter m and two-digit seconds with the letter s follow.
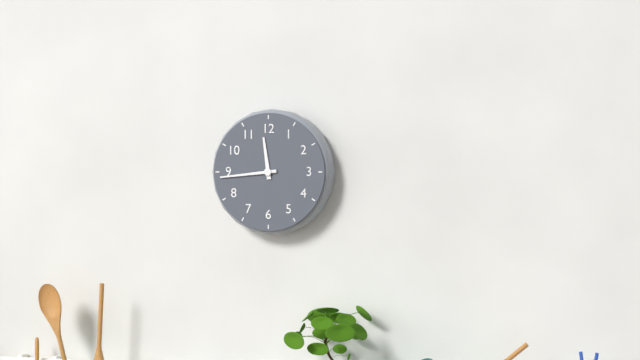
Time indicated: 11h44
